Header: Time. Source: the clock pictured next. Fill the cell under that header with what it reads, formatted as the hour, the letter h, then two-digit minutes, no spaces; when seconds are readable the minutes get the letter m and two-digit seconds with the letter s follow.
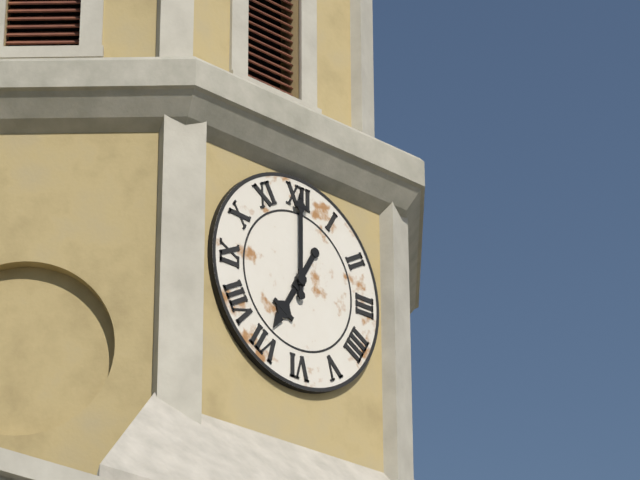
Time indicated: 7h00
